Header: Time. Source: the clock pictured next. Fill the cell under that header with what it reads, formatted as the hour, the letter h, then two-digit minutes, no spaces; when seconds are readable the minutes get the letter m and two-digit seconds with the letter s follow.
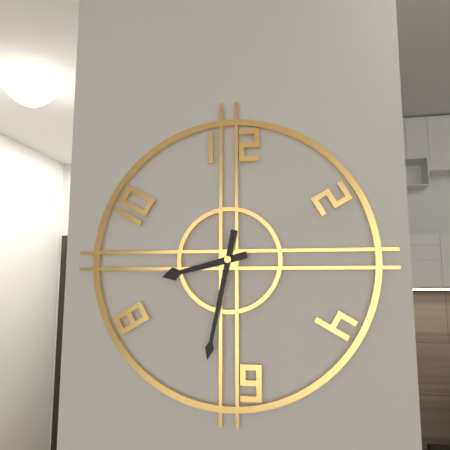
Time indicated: 8h32
